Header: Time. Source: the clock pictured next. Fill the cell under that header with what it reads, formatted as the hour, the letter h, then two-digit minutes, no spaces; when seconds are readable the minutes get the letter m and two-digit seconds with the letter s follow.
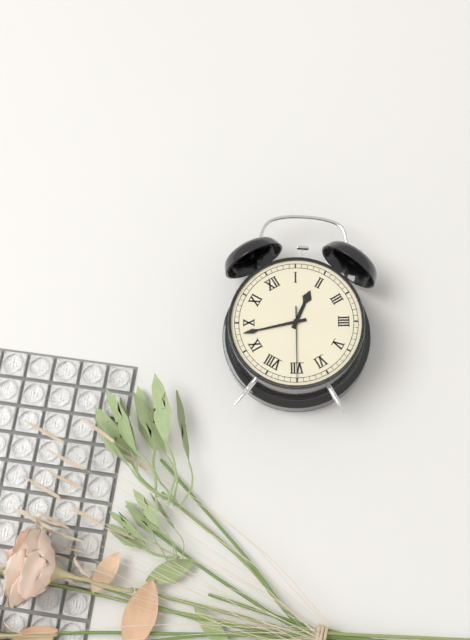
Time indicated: 1h48m35s
